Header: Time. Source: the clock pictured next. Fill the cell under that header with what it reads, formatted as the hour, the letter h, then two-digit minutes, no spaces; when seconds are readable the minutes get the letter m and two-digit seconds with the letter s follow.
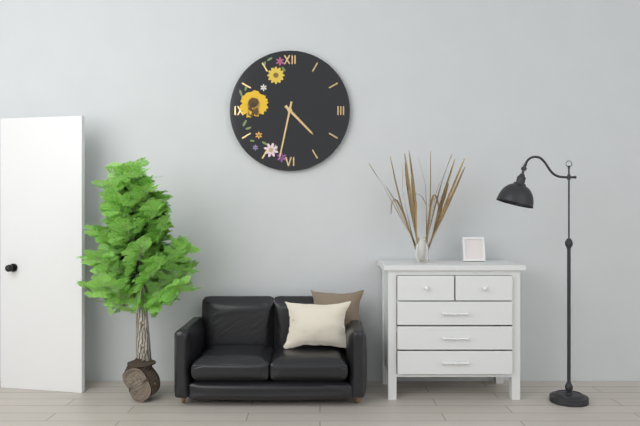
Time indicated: 4h32
